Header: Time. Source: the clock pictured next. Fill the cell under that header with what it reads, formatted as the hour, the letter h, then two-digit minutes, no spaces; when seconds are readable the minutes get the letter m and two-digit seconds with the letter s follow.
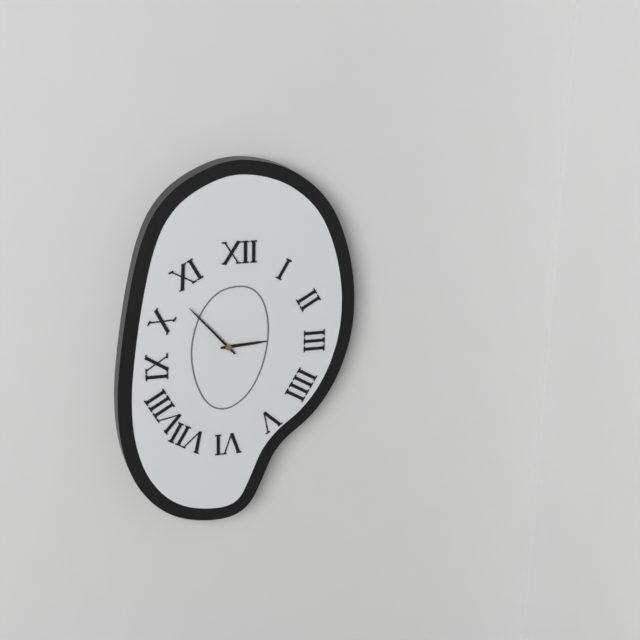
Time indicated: 2h53
